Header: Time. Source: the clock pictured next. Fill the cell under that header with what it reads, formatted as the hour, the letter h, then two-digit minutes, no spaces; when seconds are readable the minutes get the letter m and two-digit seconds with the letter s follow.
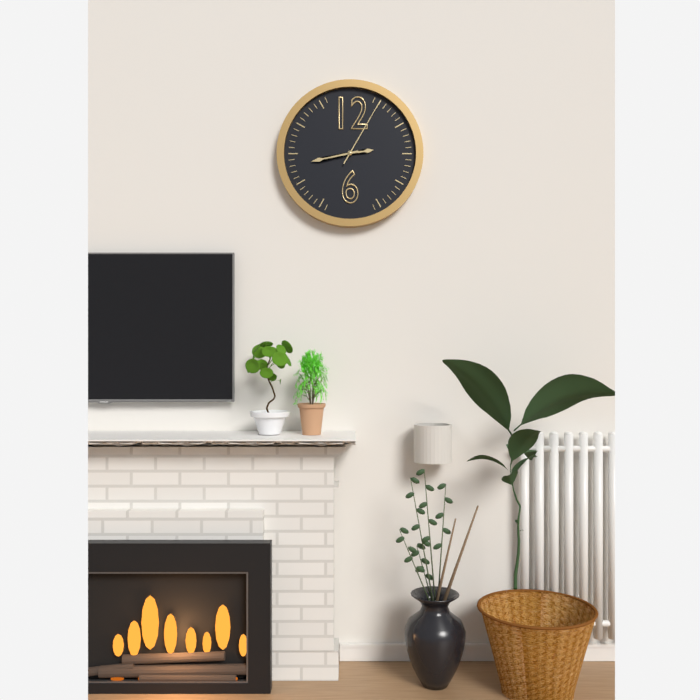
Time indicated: 2h43m05s
